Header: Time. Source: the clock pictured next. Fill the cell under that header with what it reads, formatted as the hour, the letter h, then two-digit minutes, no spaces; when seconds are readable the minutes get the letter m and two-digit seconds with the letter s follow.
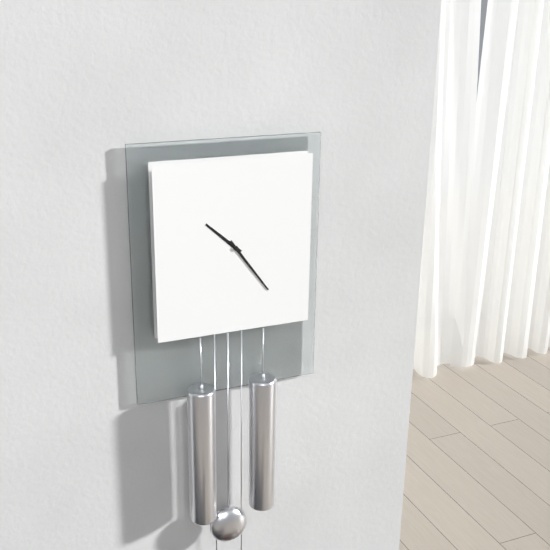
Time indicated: 10h24
